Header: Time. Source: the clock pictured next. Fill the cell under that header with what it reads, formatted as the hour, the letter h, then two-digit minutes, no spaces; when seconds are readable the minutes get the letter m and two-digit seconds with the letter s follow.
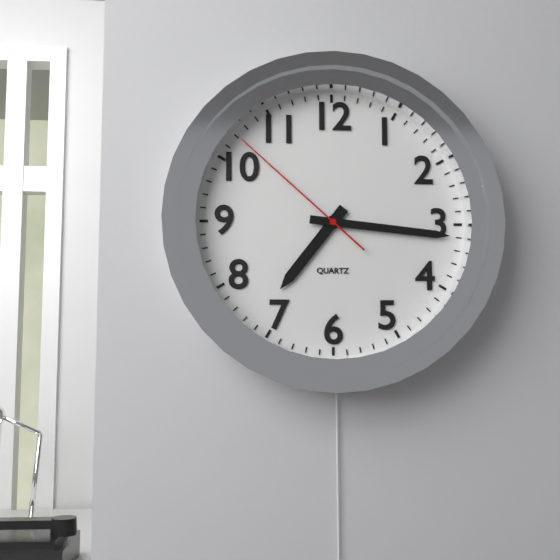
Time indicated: 7h16m52s
